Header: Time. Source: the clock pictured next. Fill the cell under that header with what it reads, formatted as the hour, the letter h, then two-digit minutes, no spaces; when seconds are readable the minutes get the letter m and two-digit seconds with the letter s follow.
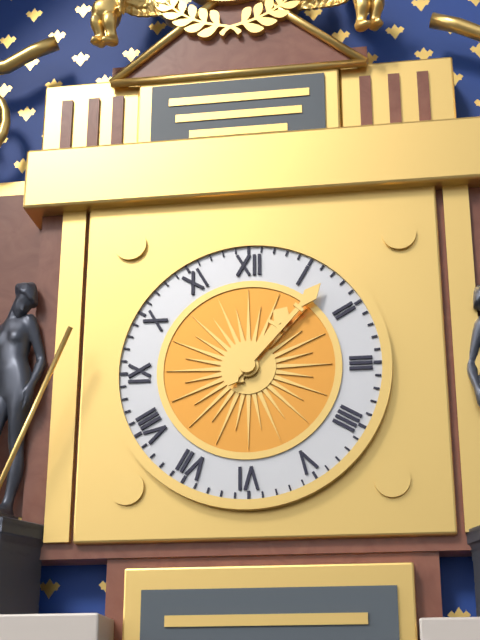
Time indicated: 1h07
